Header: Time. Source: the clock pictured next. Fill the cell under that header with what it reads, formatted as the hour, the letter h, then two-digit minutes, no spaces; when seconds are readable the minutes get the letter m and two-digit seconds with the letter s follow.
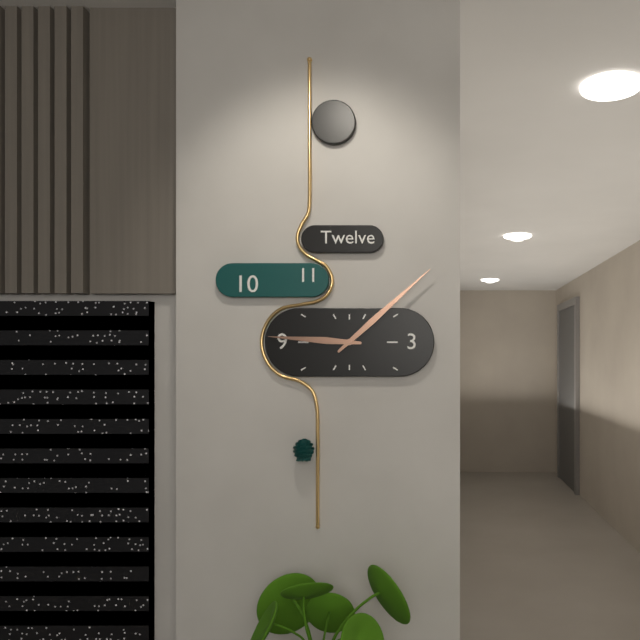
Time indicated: 9h08
